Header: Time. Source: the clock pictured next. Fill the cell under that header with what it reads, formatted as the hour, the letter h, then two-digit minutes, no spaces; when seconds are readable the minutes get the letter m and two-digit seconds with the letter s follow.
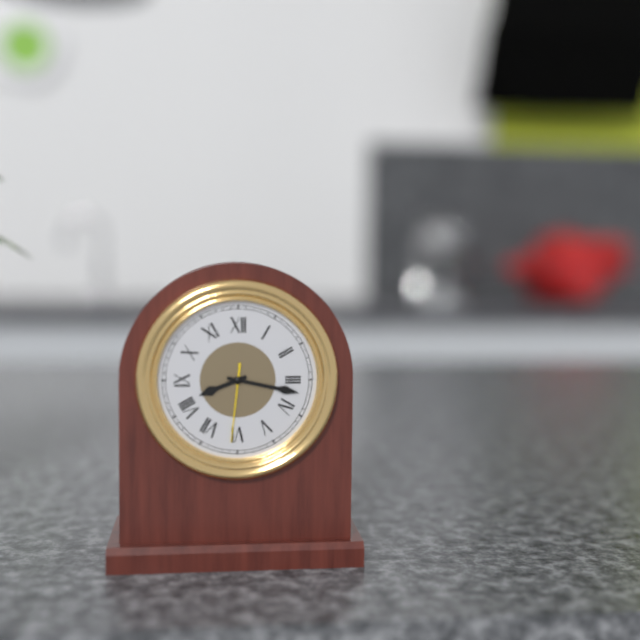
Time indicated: 8h17m31s
